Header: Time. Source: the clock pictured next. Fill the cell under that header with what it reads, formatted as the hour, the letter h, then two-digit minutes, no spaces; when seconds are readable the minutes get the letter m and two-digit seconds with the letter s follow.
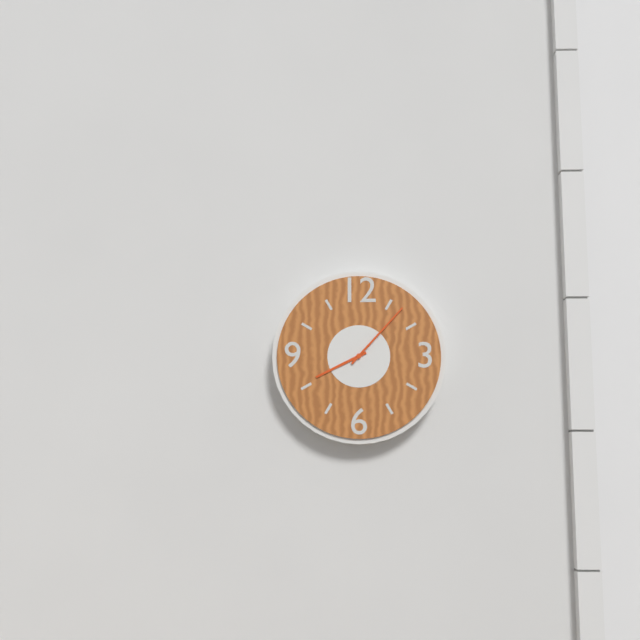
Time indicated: 8h07
